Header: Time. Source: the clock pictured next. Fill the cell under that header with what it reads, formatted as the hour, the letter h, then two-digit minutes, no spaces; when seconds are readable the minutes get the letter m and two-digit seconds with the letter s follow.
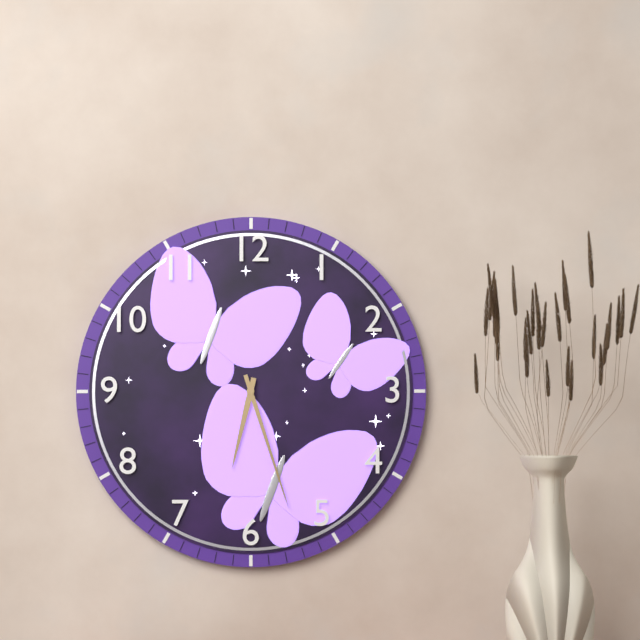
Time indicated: 6h27
